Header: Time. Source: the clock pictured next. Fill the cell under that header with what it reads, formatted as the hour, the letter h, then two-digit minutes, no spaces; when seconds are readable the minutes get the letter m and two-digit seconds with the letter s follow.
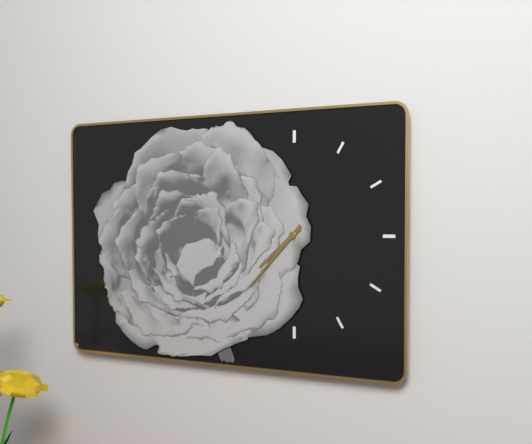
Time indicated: 7h37
